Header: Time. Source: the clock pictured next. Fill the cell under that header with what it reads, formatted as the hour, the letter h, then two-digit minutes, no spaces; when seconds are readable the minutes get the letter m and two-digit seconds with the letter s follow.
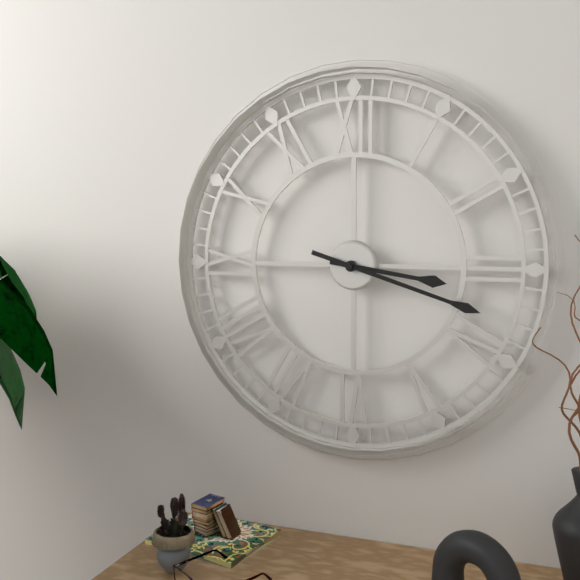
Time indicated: 3h18
